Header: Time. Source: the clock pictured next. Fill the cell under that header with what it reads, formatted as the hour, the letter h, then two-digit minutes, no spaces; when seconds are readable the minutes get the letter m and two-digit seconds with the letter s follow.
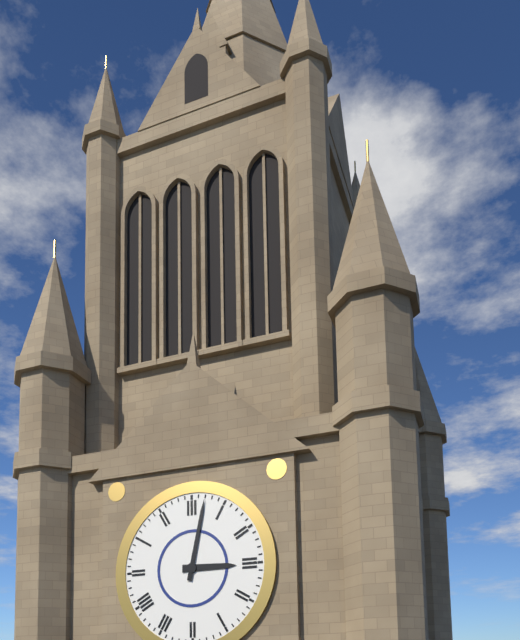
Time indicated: 3h02
